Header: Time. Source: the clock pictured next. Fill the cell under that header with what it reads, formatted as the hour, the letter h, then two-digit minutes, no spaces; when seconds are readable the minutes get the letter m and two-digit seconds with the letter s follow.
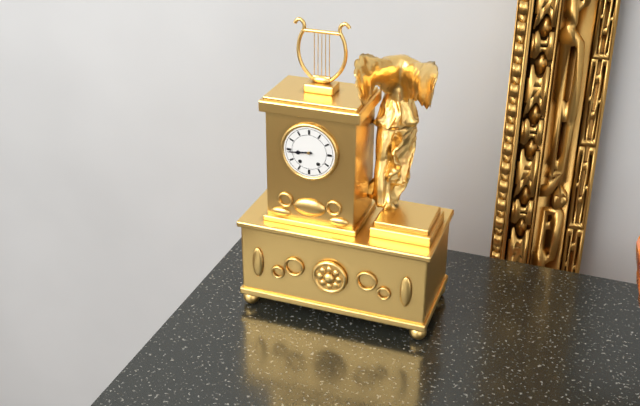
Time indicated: 8h44
